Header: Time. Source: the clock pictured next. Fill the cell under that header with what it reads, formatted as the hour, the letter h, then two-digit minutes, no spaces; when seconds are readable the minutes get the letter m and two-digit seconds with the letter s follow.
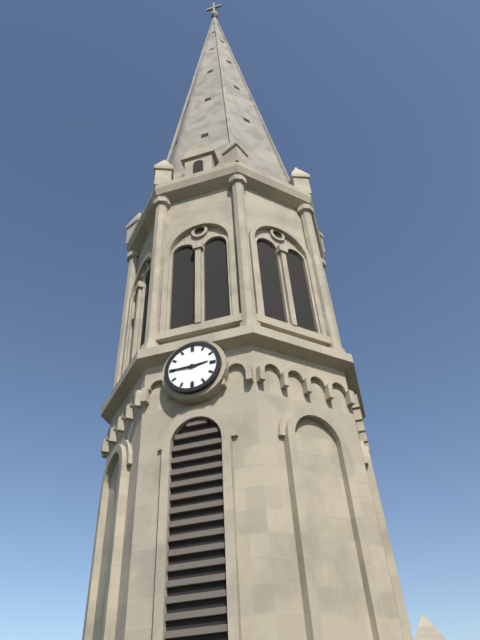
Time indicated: 2h45
